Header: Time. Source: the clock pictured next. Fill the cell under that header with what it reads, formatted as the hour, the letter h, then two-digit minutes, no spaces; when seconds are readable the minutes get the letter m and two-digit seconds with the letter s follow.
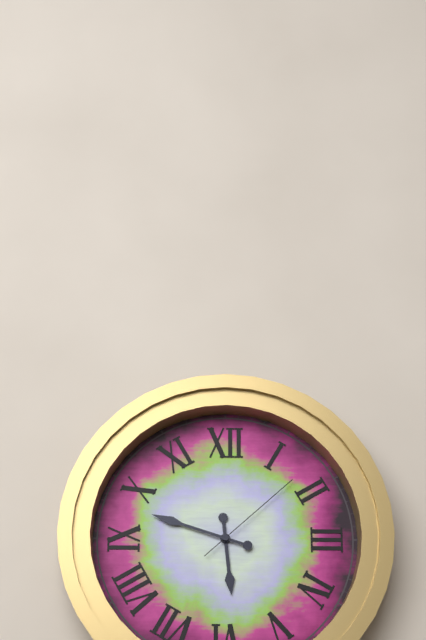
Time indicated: 5h48m08s
